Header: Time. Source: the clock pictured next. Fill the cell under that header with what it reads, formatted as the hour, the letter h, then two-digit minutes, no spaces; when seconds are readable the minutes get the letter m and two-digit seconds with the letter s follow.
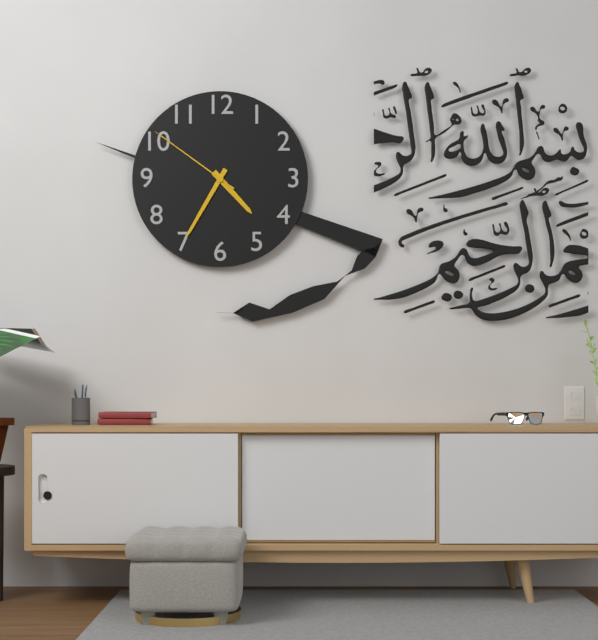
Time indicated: 4h35m51s
